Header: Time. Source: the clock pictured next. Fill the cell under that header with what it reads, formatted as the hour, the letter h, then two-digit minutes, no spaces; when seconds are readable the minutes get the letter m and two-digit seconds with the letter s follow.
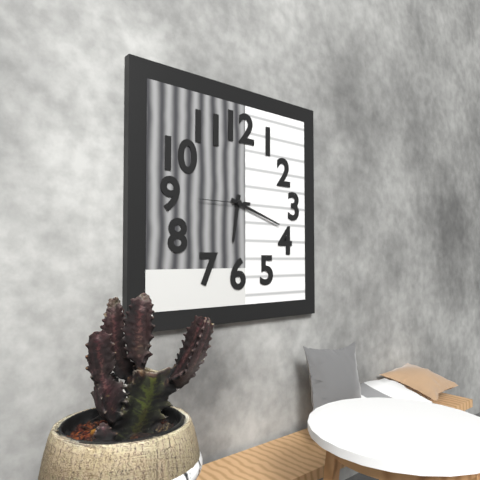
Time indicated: 6h18
